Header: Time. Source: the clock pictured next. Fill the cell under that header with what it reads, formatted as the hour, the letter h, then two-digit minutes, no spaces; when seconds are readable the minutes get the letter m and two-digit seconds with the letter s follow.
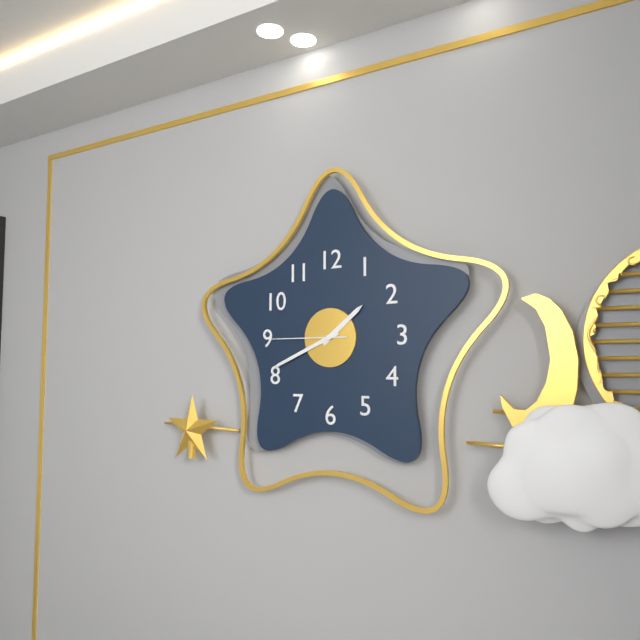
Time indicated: 1h41m45s
